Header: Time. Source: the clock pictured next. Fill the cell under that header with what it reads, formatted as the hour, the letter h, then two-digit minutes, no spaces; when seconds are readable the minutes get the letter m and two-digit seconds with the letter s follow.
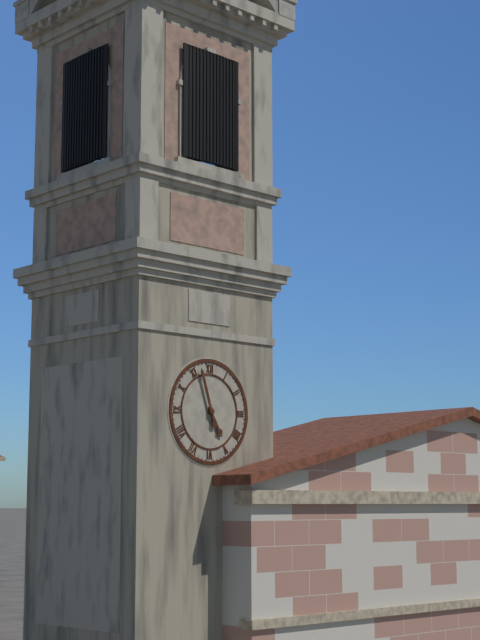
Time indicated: 4h57
